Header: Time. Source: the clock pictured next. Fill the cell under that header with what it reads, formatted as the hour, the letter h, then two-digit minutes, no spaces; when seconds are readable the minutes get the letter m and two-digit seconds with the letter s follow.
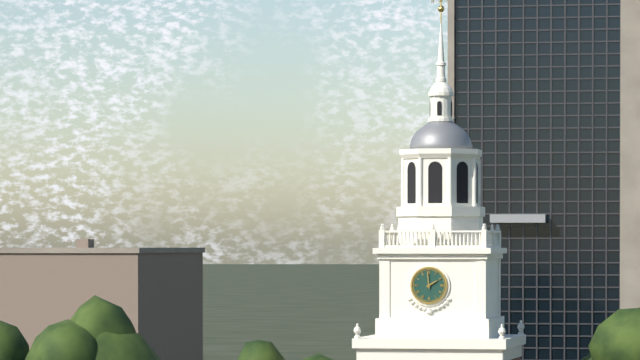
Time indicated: 1h59
